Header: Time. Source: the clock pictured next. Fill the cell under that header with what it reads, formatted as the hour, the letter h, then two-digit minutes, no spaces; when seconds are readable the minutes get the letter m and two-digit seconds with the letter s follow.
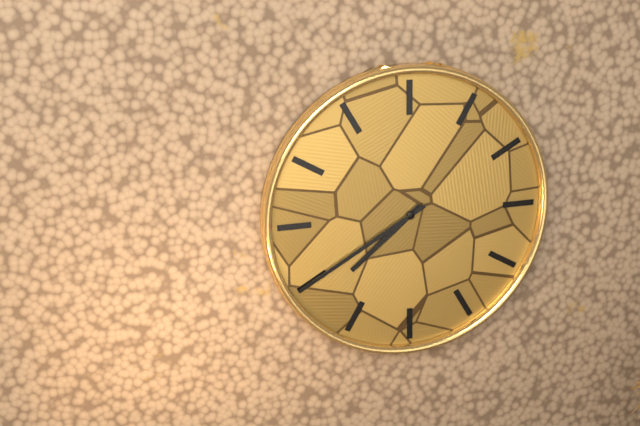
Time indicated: 7h40
